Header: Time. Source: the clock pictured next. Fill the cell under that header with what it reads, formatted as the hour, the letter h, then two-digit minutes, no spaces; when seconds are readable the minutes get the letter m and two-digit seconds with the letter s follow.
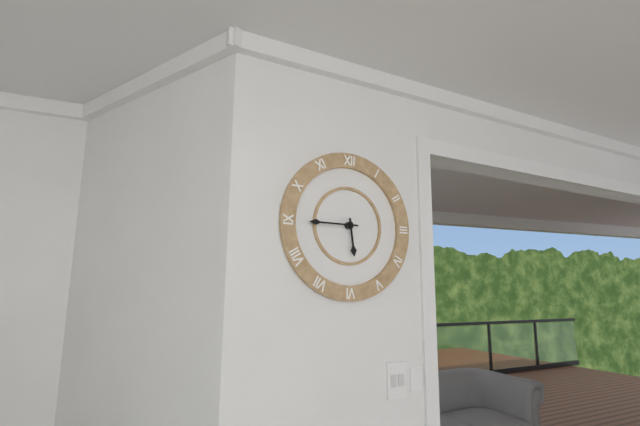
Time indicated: 5h45
